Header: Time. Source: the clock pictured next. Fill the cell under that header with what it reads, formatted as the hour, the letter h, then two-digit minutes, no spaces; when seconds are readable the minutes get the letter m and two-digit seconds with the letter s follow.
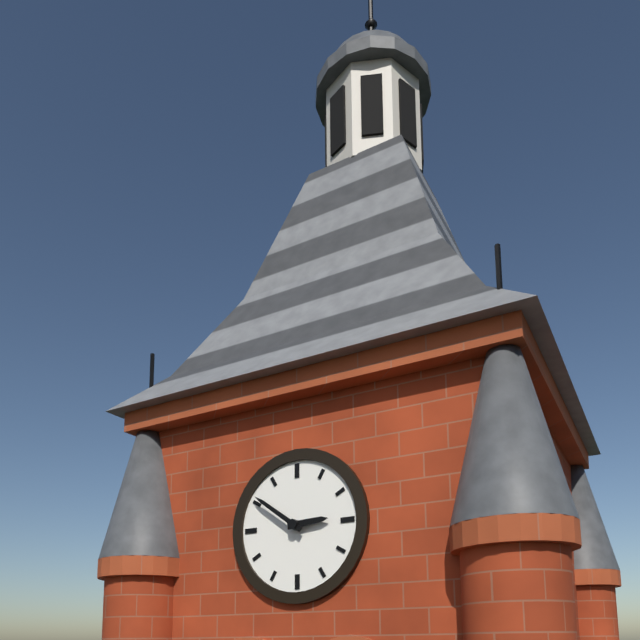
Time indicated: 2h51
